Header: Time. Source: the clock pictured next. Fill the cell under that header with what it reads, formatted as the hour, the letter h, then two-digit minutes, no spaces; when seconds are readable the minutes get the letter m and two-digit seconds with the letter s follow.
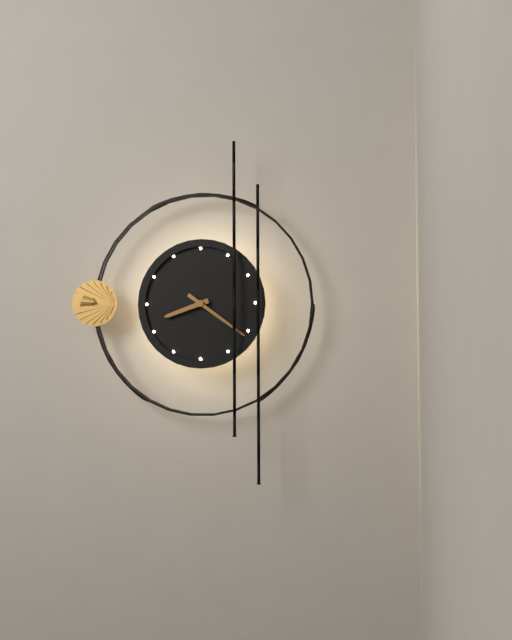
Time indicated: 8h21
